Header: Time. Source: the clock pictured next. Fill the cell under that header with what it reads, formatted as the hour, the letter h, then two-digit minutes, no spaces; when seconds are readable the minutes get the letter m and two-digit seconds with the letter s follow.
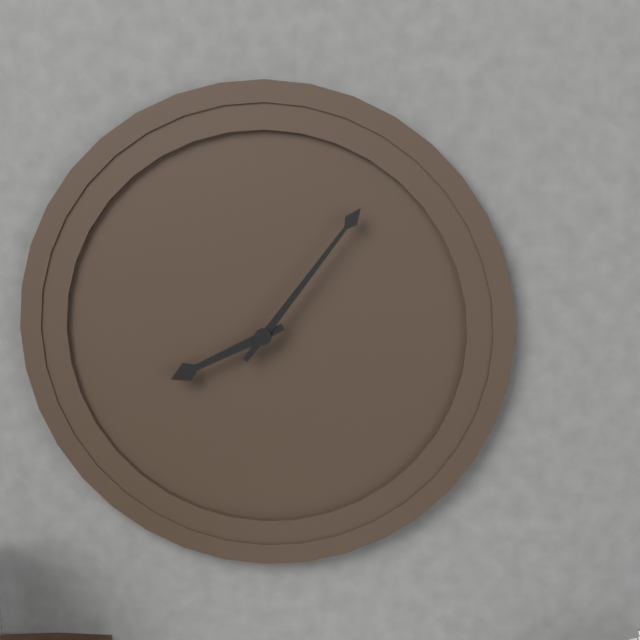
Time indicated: 8h06
